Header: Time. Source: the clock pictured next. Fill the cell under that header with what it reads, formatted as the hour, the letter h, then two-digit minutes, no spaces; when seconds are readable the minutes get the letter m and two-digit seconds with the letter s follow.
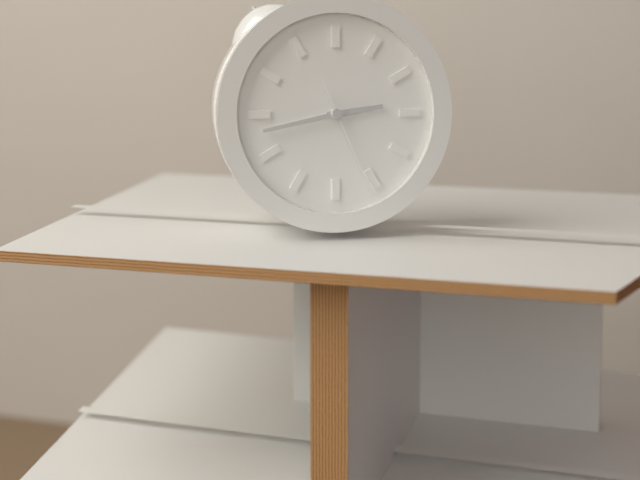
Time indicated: 2h43m26s
